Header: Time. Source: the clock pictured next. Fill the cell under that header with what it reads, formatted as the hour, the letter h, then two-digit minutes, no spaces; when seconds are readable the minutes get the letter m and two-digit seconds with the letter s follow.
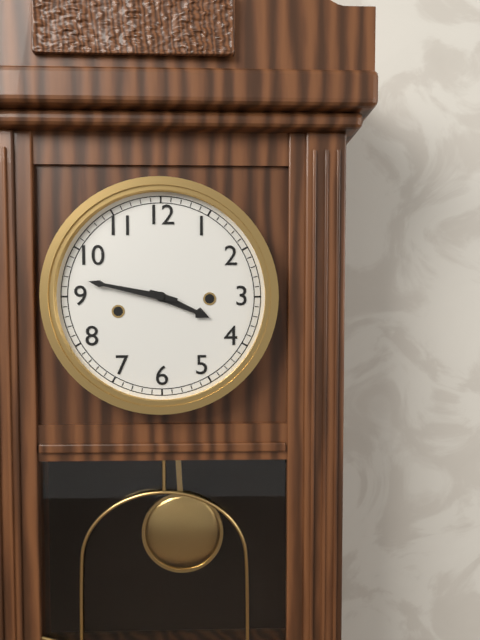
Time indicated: 3h47
